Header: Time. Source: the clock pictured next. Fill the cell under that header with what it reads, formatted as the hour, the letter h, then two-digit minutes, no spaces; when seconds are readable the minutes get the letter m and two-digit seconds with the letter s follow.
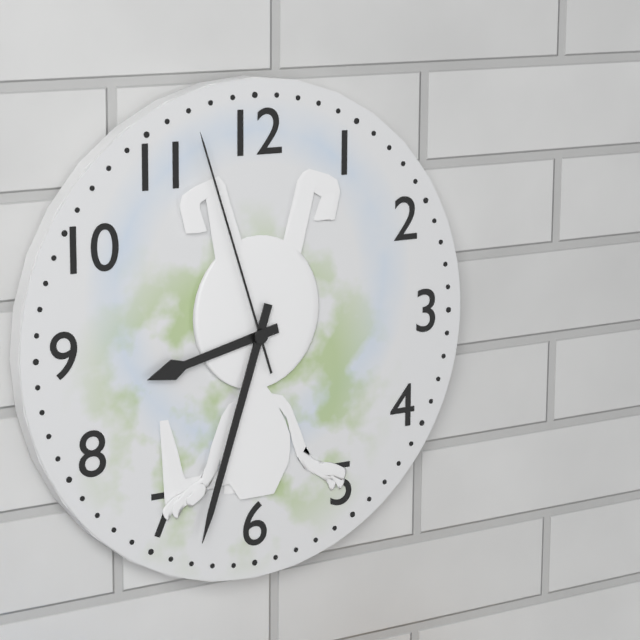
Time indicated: 8h33m57s
